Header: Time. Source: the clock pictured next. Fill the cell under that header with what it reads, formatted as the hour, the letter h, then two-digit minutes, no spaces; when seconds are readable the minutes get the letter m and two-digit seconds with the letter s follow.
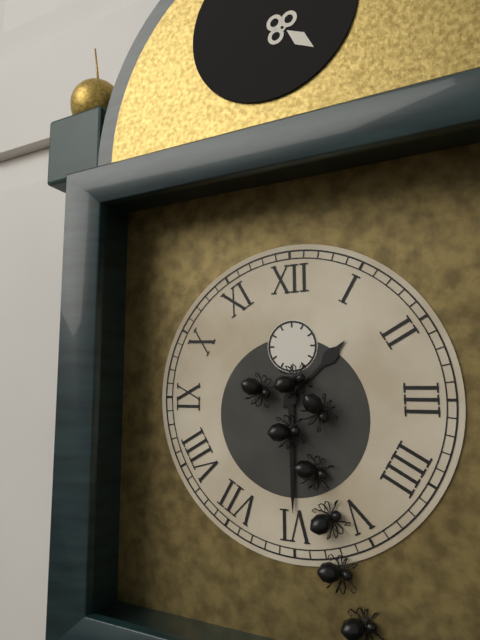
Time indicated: 1h30
